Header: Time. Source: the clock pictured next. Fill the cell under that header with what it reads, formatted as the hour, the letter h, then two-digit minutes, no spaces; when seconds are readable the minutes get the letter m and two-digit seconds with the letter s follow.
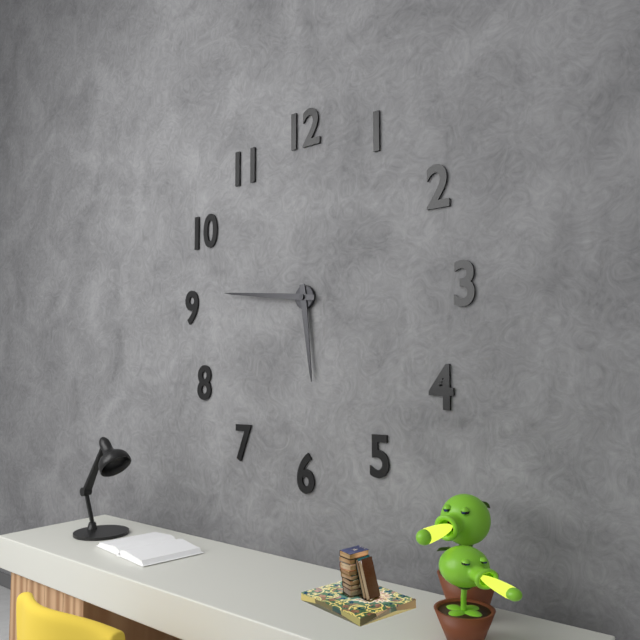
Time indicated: 5h46
